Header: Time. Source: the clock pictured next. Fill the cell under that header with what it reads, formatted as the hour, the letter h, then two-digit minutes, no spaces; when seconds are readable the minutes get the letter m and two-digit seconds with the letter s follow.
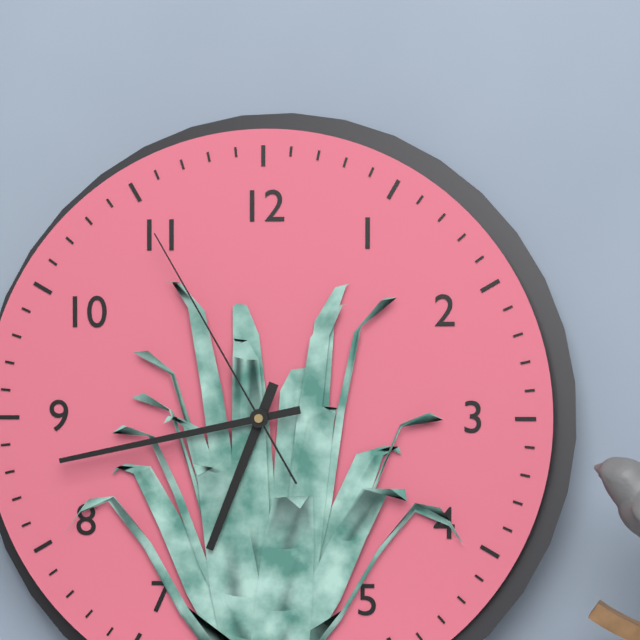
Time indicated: 6h43m55s
